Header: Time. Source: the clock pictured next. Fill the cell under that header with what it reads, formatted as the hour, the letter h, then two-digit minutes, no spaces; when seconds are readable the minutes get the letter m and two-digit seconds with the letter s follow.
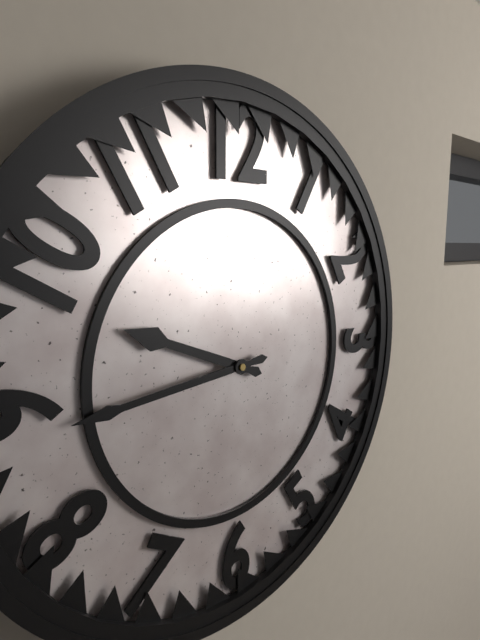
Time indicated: 9h44
